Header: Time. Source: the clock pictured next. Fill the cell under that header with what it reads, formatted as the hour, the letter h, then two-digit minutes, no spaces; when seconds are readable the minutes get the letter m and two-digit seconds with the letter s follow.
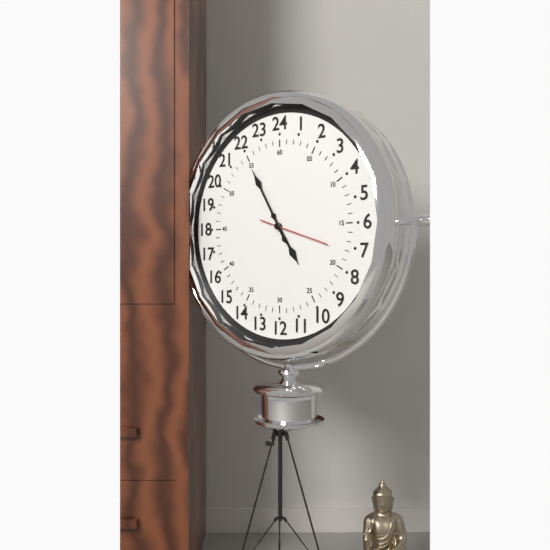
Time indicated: 4h55m18s
